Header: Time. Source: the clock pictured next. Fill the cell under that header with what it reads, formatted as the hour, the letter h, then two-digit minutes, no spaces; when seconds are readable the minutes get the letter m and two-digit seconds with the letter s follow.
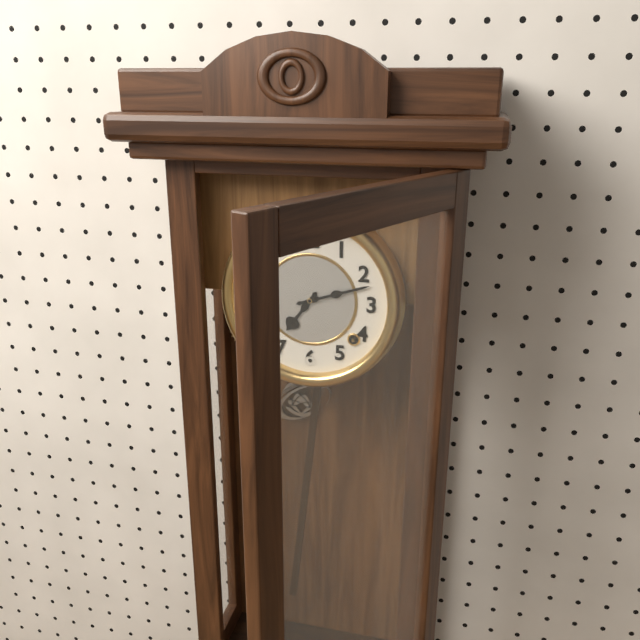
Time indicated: 7h12
